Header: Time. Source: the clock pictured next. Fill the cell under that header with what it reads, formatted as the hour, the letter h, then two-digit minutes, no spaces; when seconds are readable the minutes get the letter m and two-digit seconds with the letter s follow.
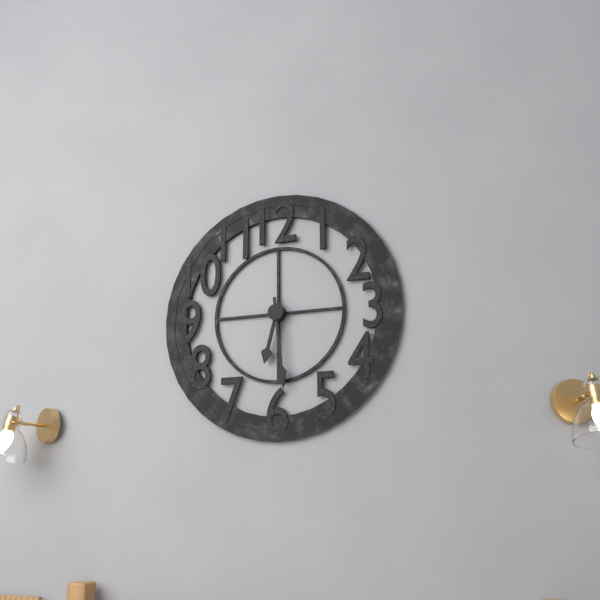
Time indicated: 6h29
